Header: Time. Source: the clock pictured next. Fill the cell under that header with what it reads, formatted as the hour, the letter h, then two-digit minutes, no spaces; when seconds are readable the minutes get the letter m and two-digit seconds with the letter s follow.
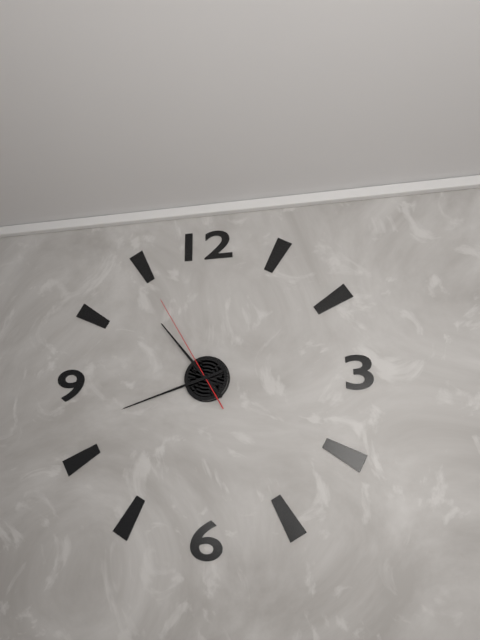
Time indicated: 10h42m55s
